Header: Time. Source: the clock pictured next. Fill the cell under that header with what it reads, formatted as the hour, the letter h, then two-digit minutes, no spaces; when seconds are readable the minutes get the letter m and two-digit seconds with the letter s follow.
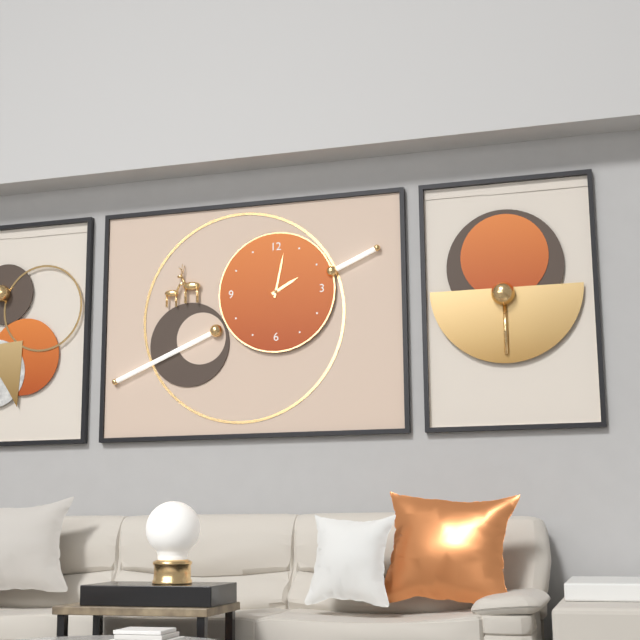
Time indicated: 2h02
